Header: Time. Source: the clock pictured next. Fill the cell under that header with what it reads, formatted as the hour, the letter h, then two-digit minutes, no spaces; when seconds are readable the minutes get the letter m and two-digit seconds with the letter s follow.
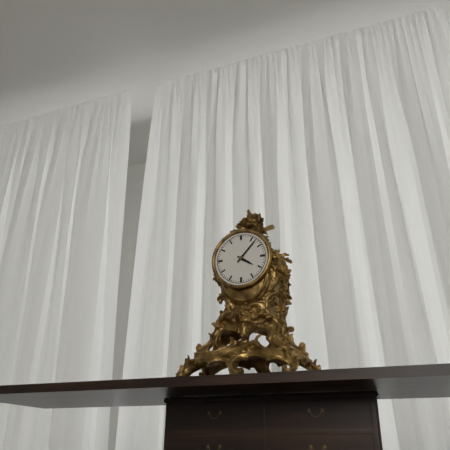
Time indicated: 4h07
